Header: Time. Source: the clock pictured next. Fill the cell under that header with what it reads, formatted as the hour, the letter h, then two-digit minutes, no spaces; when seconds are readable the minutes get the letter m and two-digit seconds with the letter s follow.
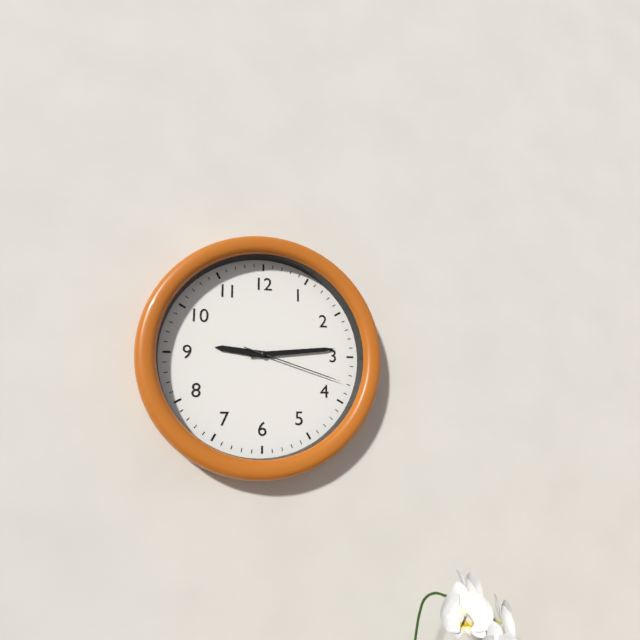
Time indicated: 9h14m18s
